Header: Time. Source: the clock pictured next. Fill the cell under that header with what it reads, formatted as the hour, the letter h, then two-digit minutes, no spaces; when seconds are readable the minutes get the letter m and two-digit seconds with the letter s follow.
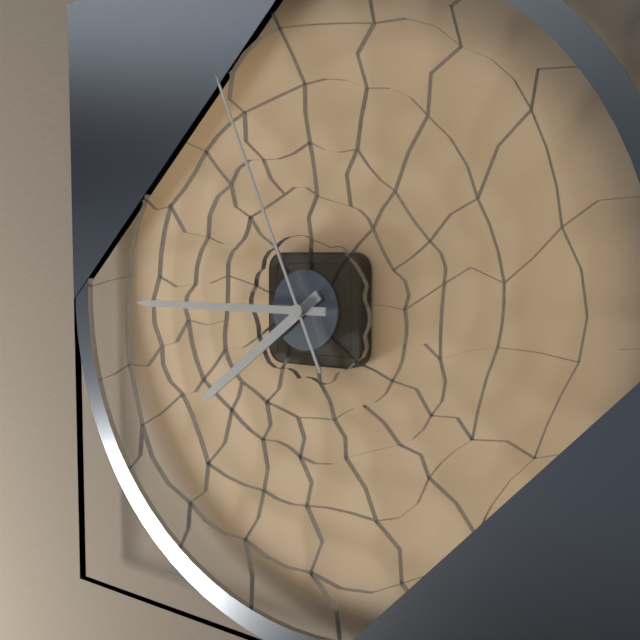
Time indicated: 7h45m56s
